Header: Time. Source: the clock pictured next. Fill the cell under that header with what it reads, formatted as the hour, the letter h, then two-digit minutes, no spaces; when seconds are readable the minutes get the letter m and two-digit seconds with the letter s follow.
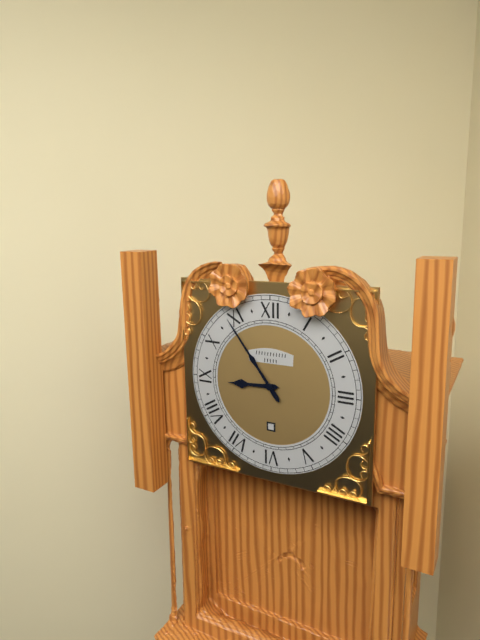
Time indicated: 8h54
